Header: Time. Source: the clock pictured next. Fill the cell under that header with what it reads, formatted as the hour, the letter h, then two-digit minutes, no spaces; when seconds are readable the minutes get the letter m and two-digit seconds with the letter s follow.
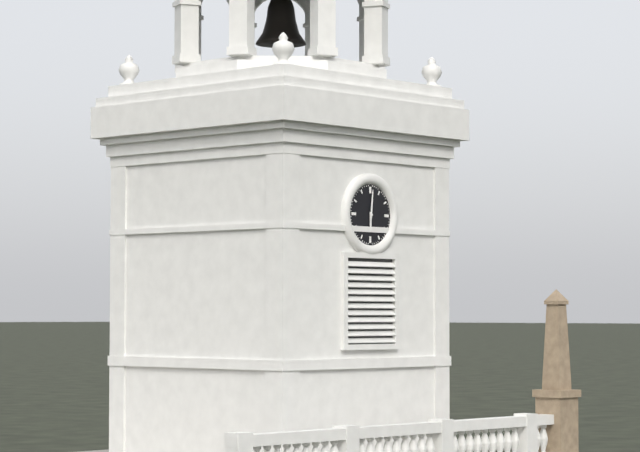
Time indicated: 6h01
